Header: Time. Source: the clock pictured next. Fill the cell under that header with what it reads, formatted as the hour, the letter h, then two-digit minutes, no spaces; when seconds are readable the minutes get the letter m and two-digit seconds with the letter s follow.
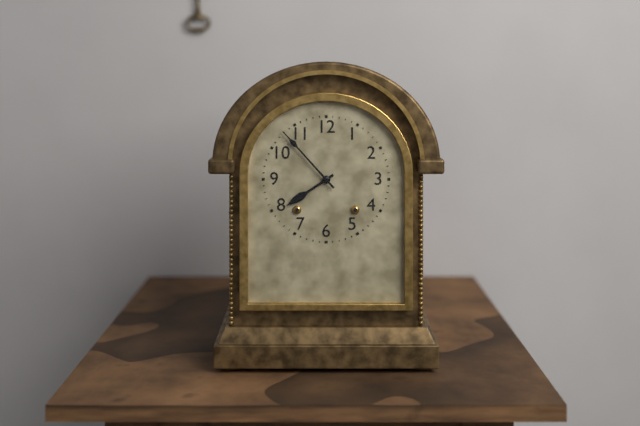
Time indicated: 7h53
